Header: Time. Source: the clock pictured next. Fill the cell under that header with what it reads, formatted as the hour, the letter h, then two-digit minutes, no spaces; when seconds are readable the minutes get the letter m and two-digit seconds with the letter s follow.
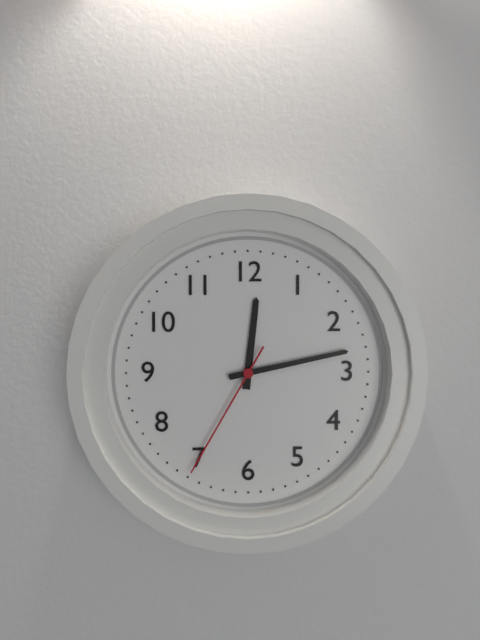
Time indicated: 12h13m35s
